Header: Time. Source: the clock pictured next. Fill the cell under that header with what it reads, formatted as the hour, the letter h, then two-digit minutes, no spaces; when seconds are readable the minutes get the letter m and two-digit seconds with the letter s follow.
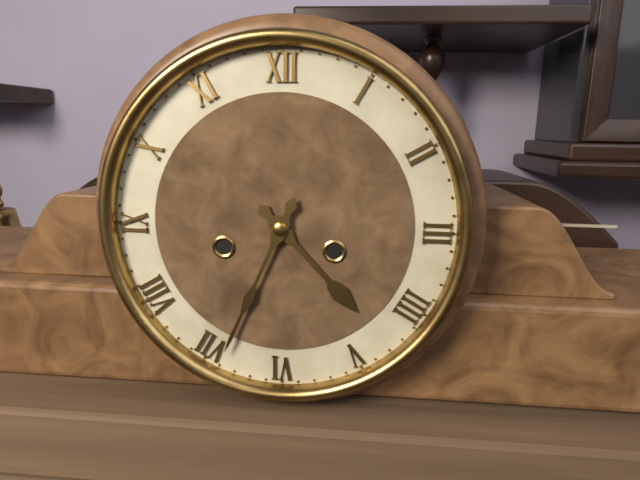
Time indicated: 4h34
